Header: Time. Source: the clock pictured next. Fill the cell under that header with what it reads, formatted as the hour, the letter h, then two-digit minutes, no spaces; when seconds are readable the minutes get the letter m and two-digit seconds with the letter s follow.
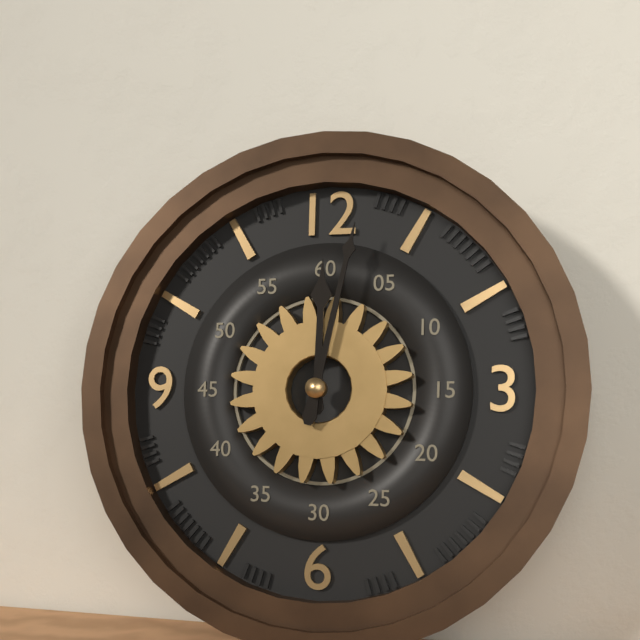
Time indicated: 12h02
